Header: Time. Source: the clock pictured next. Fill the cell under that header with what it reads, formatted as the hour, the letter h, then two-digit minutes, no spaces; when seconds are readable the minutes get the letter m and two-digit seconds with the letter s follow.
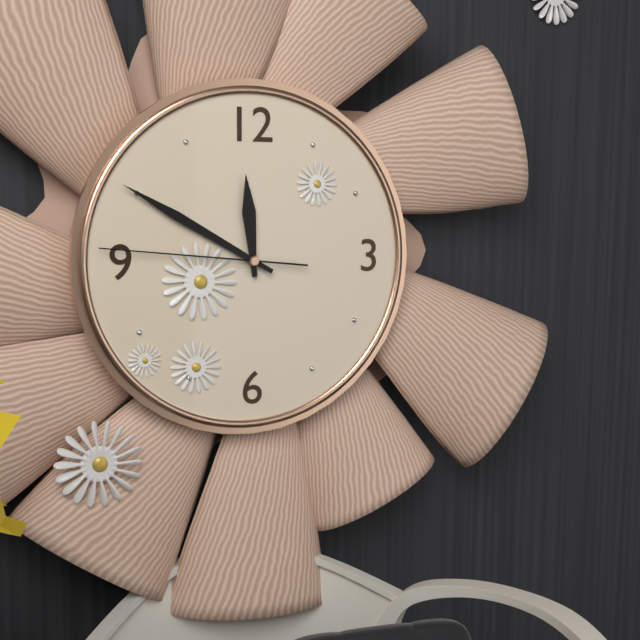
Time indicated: 11h50m46s
